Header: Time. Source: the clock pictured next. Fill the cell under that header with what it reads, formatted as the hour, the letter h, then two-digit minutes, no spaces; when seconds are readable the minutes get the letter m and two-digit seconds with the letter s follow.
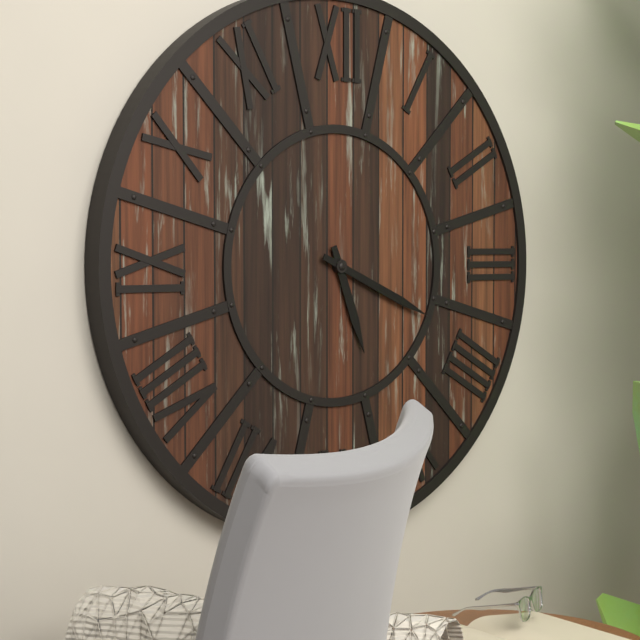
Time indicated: 5h19
